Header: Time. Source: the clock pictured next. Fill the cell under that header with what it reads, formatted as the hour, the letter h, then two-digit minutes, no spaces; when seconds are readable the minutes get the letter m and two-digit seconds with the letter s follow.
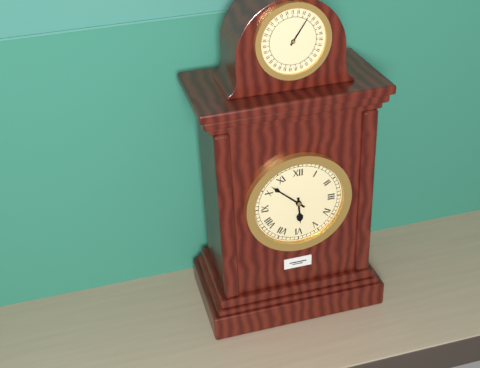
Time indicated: 5h52
